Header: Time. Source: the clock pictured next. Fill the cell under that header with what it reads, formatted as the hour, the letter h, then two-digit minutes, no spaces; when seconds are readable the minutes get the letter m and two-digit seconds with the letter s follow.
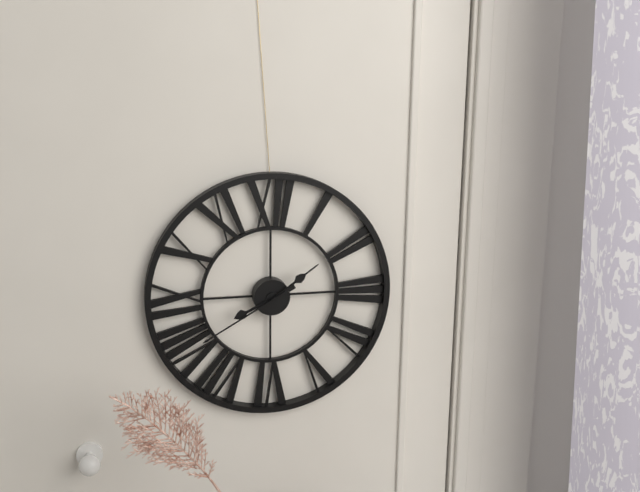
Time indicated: 8h09m40s
